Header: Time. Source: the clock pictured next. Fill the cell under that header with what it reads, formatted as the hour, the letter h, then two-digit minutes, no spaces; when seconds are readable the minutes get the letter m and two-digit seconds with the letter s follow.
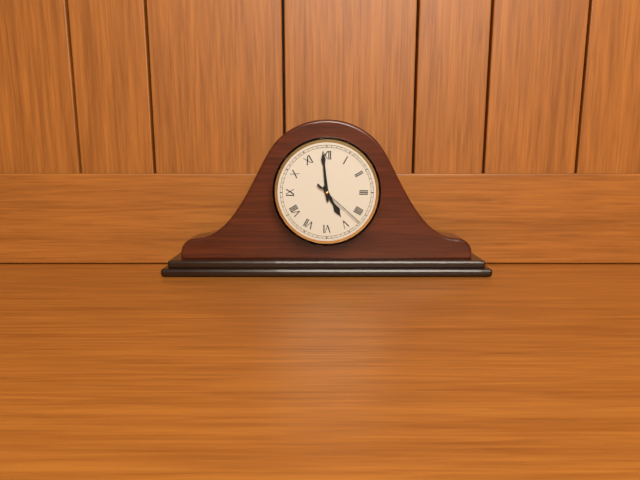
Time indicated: 4h59m22s
